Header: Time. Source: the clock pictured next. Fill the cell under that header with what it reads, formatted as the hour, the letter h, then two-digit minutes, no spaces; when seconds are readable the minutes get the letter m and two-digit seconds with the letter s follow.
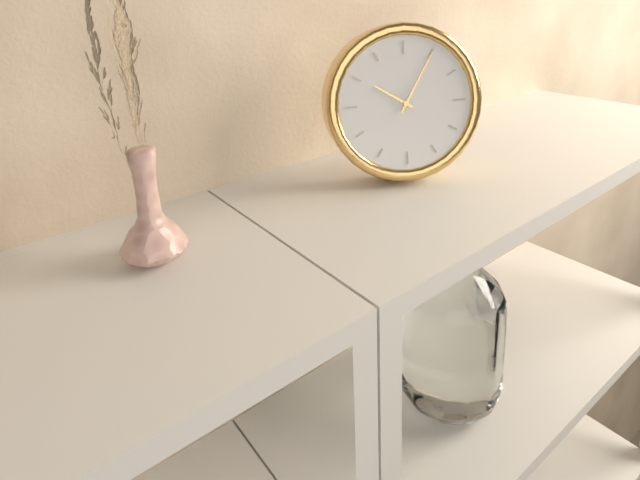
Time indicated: 10h05
